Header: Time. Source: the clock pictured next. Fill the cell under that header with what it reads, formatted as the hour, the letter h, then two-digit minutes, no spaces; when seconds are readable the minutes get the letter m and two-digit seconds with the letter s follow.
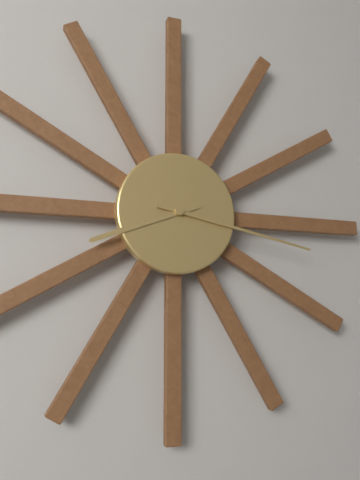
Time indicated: 8h17
